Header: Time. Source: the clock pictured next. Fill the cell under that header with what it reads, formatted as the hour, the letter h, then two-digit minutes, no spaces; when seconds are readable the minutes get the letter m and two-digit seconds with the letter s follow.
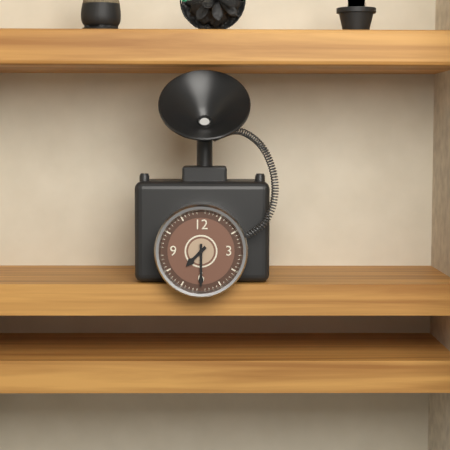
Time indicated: 7h30
